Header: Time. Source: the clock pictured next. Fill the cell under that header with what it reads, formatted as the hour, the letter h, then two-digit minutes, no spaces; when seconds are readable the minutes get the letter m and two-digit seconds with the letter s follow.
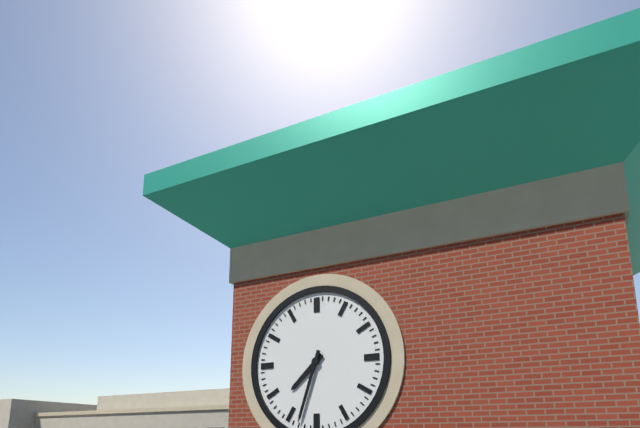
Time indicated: 7h33
